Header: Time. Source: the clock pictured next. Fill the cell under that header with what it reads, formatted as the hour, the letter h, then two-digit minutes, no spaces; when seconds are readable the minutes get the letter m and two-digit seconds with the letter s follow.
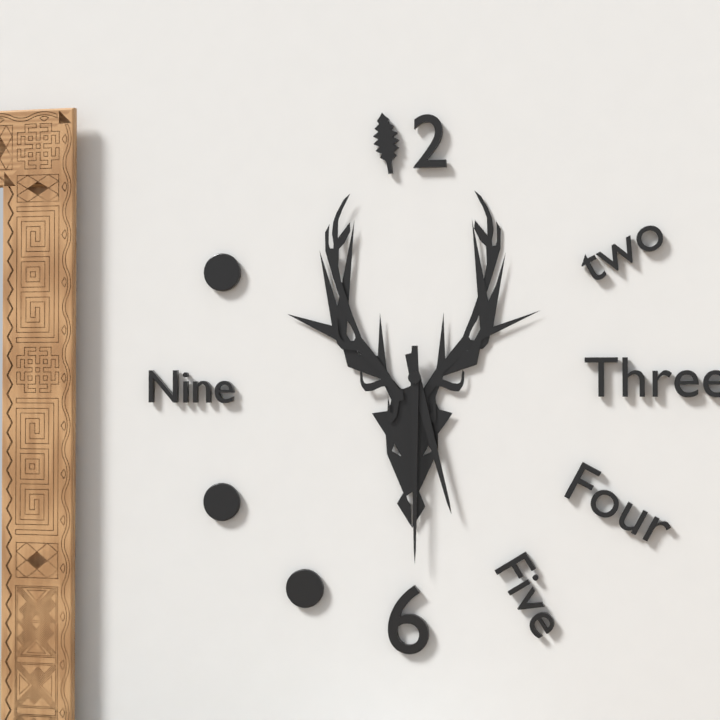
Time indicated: 5h30
